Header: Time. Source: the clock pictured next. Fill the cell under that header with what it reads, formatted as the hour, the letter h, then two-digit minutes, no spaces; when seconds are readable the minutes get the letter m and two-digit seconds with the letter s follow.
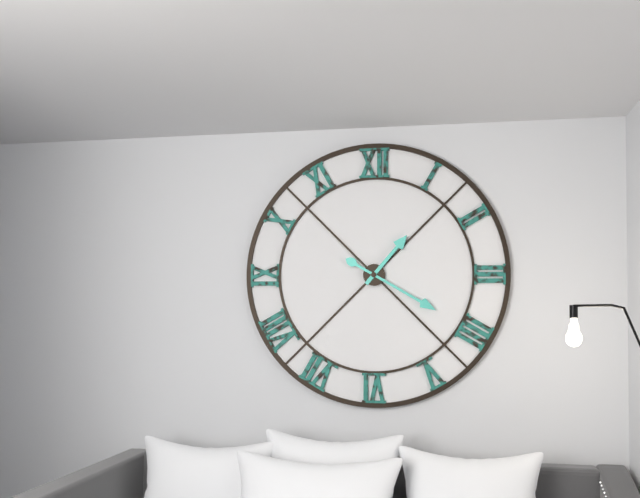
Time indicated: 1h20
